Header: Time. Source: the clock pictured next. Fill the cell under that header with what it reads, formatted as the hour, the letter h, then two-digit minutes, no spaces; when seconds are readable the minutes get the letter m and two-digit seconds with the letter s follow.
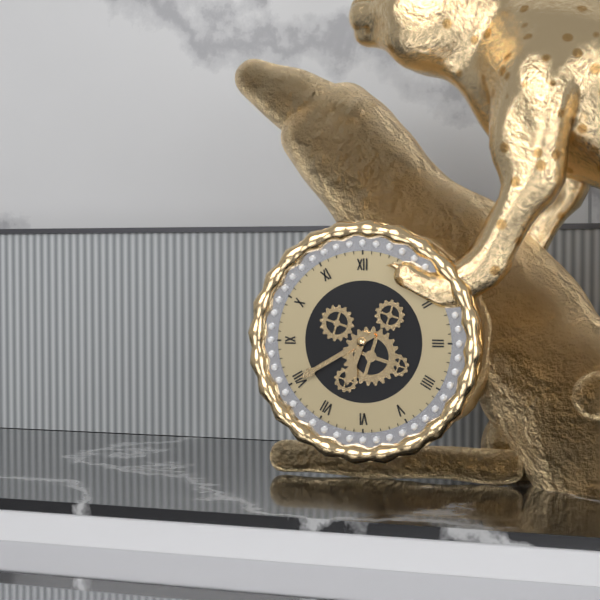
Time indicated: 6h40
